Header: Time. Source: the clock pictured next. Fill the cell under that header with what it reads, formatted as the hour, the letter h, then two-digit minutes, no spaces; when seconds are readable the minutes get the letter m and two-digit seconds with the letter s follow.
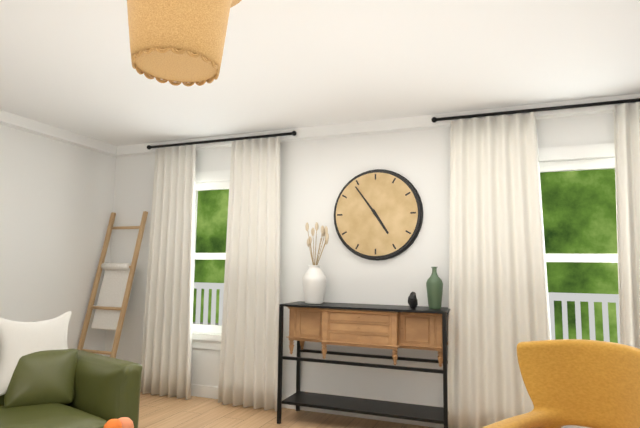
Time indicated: 4h54
